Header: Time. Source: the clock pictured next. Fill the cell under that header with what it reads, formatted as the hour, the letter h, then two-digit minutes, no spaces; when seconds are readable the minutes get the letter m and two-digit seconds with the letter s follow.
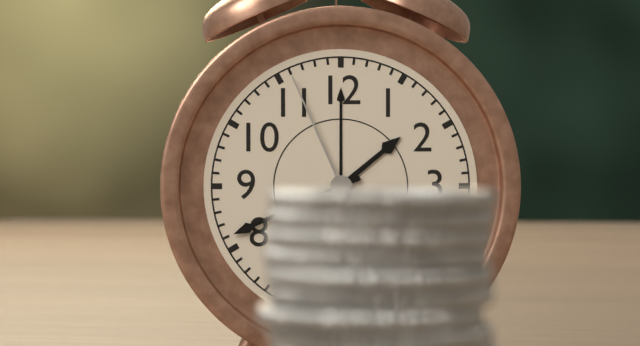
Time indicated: 1h41m56s
